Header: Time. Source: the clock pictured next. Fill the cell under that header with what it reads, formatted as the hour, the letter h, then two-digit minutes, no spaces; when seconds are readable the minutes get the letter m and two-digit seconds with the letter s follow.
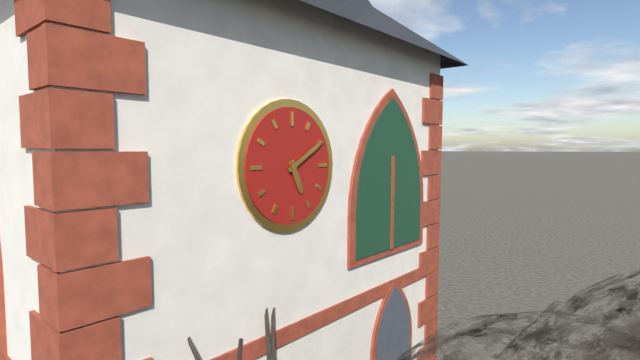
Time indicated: 5h10
